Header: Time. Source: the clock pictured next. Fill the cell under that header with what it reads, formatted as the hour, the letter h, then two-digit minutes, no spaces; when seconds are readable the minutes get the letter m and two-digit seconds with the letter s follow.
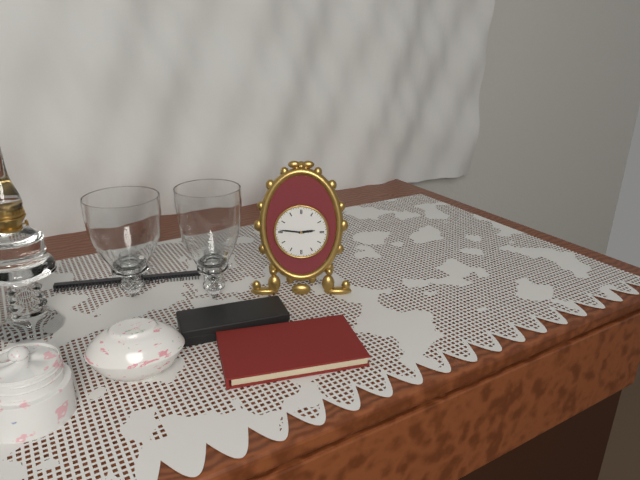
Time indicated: 2h46
